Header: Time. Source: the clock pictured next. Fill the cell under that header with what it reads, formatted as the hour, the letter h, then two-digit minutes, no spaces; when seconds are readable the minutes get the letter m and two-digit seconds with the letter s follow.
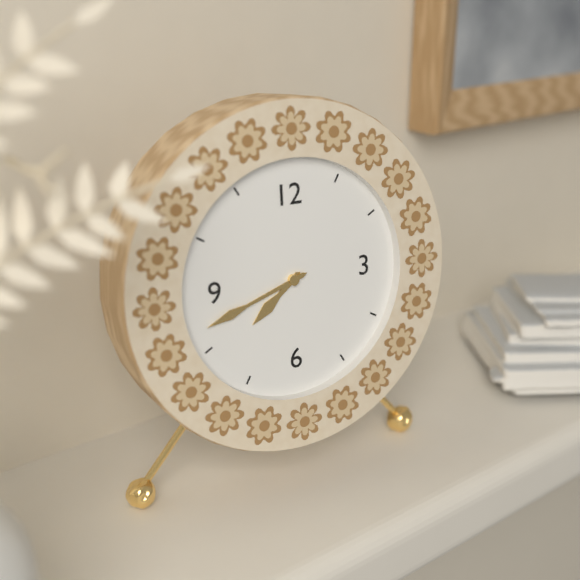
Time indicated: 7h42
